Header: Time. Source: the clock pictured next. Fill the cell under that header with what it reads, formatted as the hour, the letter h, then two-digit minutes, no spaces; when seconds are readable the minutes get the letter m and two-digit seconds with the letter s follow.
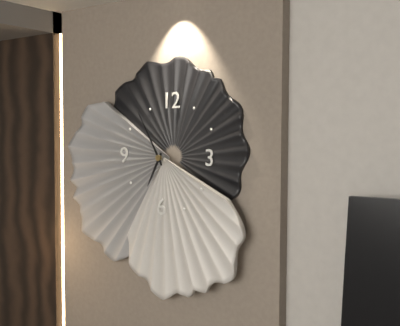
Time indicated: 6h55
